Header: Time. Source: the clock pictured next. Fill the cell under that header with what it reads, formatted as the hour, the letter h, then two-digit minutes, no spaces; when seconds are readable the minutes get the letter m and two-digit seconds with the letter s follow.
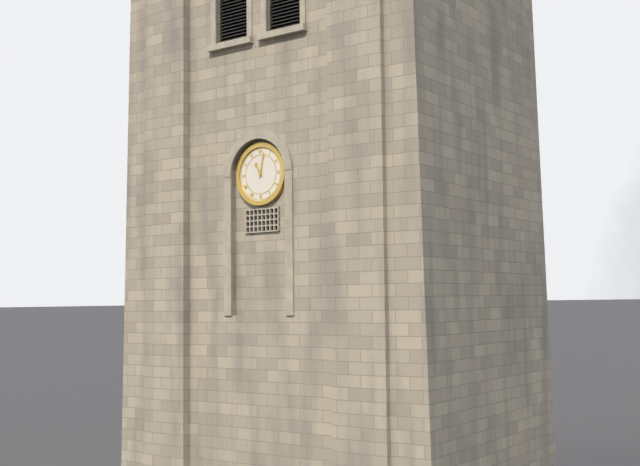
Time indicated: 11h02
